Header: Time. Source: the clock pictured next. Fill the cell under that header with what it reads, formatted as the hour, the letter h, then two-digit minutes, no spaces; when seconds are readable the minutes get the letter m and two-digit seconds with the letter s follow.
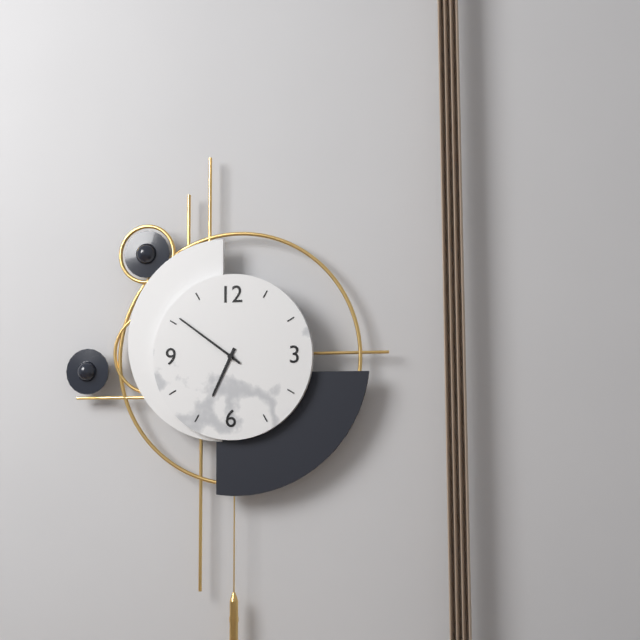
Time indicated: 6h51
